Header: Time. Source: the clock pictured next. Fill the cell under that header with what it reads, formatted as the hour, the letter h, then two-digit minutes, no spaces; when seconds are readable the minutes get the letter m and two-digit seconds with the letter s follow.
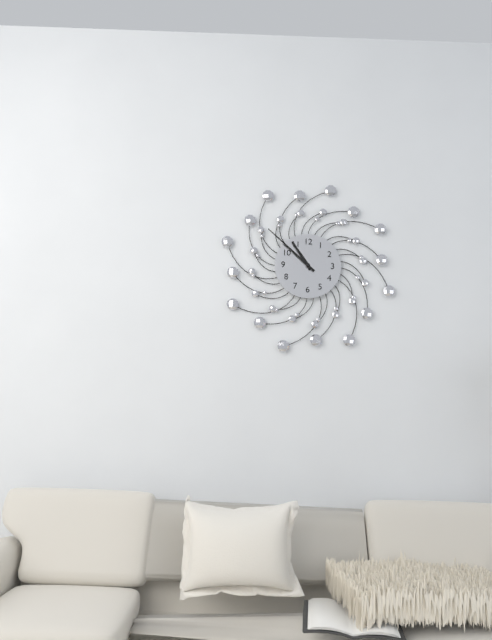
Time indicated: 10h52
